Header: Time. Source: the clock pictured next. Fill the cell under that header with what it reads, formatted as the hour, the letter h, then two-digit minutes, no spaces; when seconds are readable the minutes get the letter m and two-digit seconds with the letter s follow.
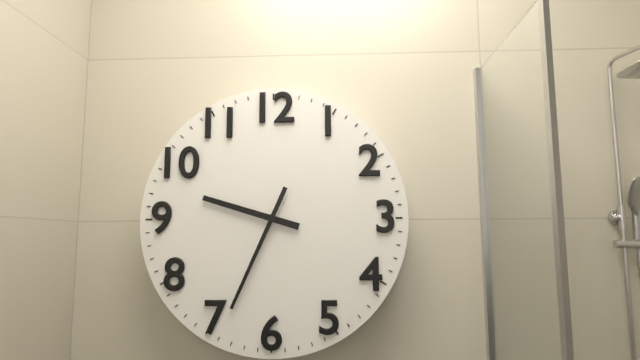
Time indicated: 9h34
